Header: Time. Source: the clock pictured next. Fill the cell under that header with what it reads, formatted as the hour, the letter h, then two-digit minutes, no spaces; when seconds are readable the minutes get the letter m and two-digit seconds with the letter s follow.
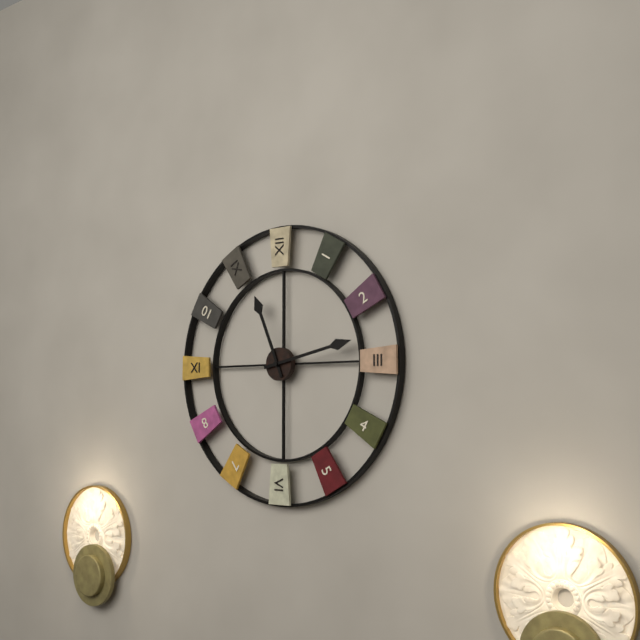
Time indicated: 11h13
